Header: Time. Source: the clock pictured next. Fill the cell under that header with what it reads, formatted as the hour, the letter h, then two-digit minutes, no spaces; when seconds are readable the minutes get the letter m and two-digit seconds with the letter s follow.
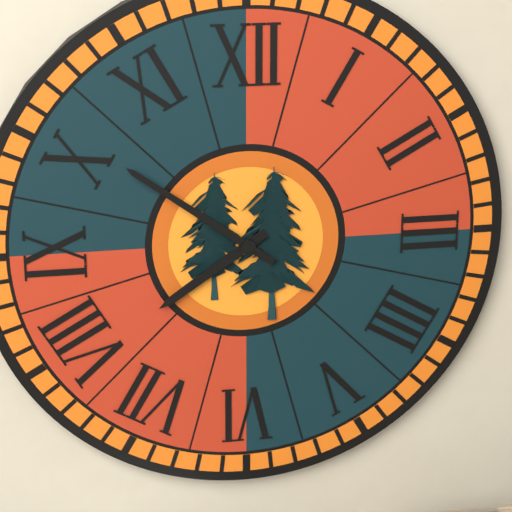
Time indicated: 7h51
